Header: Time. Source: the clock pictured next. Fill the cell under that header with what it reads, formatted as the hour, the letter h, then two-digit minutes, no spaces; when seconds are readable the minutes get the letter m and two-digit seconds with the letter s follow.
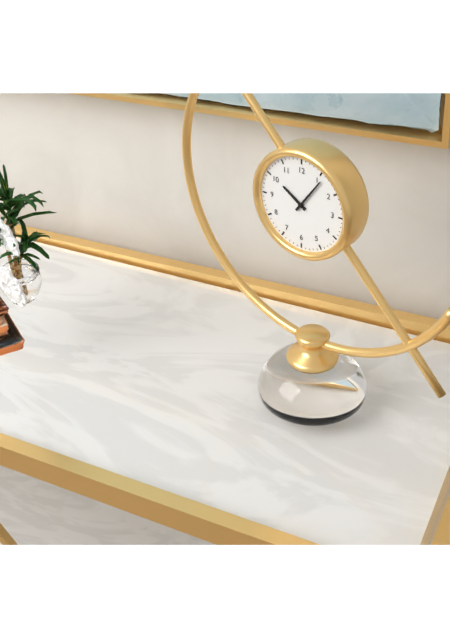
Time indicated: 10h06
